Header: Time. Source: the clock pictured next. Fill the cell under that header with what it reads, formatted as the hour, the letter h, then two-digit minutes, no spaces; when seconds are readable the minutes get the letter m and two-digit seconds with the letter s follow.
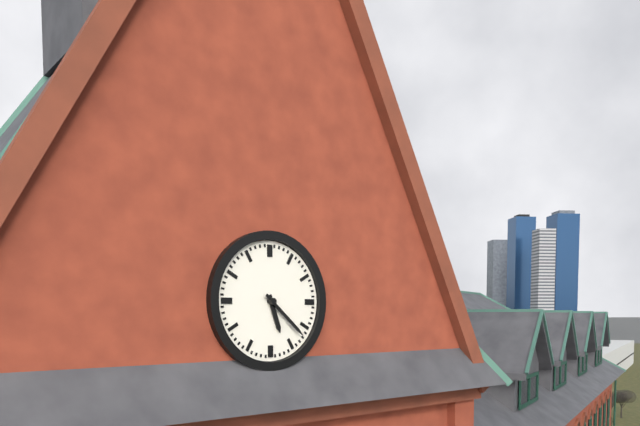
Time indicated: 5h22
